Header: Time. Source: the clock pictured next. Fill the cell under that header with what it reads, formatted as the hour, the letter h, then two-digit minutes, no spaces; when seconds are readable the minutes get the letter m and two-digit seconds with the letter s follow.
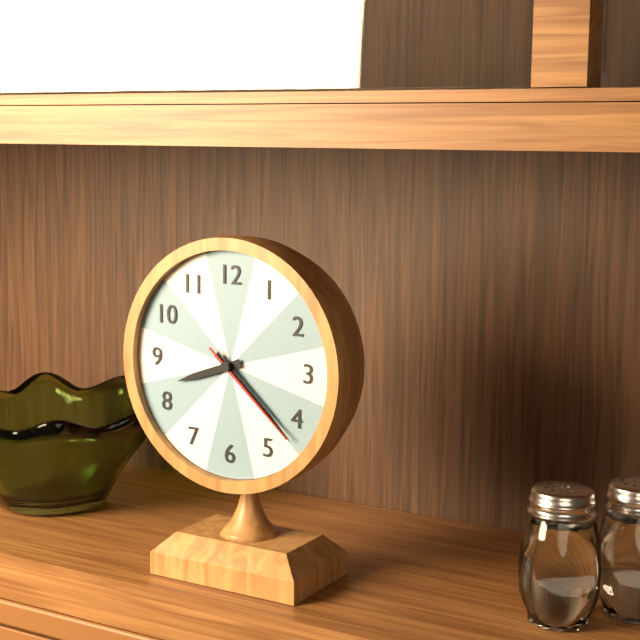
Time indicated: 8h22m22s
